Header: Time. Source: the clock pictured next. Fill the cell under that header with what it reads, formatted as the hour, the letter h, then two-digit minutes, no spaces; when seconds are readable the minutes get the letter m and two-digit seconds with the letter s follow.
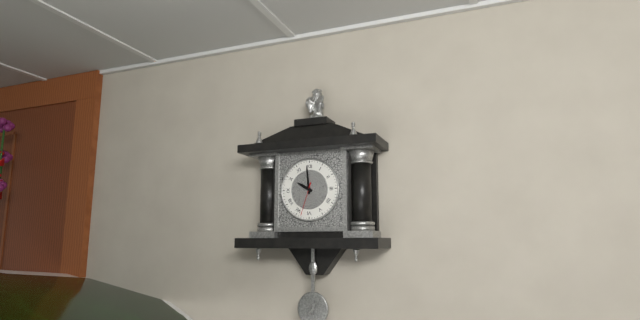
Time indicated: 9h59
